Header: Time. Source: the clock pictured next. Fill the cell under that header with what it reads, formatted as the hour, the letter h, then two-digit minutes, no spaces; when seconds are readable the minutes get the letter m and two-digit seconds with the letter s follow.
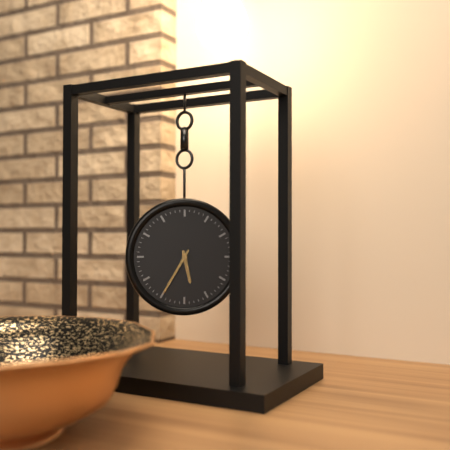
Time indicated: 5h35
